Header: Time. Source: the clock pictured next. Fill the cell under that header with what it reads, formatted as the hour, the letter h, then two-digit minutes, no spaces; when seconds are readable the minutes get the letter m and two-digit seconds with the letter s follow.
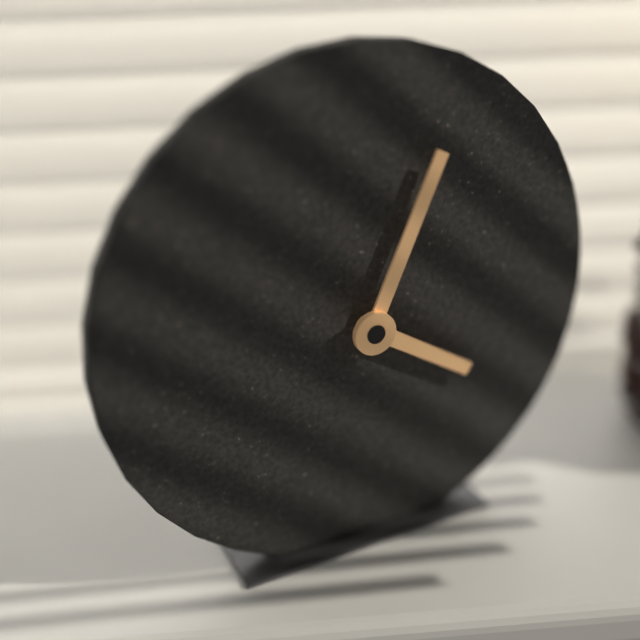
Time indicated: 4h04
